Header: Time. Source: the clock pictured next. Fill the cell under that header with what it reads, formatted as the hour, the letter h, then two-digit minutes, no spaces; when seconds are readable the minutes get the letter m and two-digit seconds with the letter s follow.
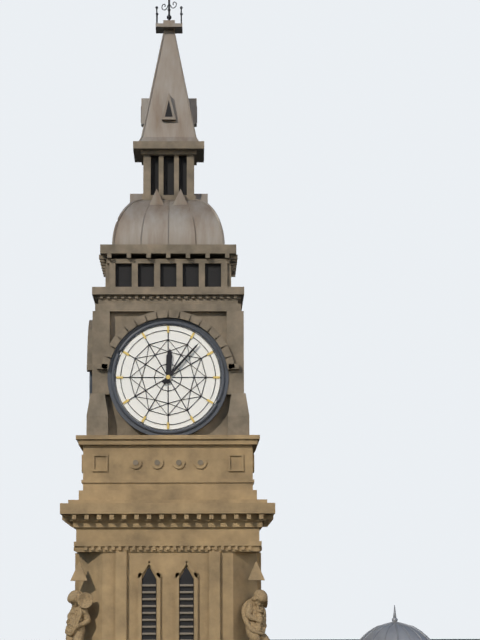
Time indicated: 12h07
